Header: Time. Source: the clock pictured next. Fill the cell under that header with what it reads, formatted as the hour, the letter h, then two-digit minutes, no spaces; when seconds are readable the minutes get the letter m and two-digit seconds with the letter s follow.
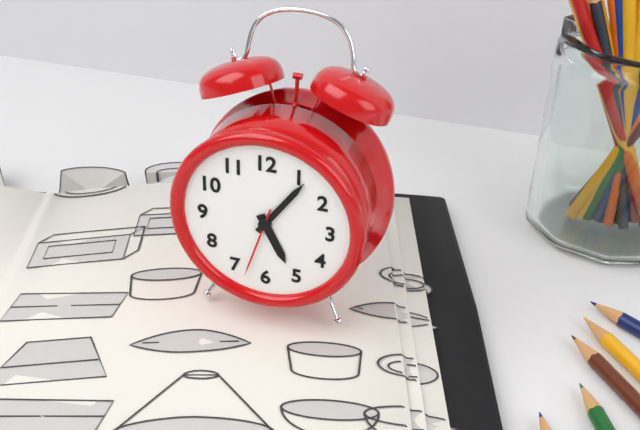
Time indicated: 5h06m33s
